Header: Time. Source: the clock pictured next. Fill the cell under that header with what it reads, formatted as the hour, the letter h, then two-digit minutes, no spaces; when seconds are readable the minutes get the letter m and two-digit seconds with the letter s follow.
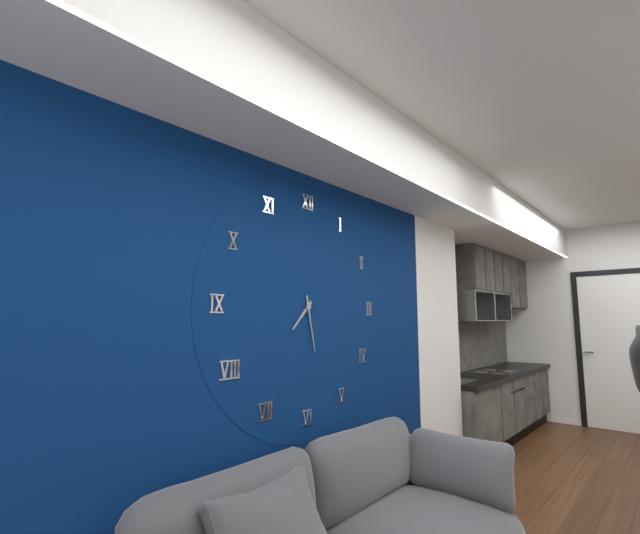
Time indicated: 7h28
